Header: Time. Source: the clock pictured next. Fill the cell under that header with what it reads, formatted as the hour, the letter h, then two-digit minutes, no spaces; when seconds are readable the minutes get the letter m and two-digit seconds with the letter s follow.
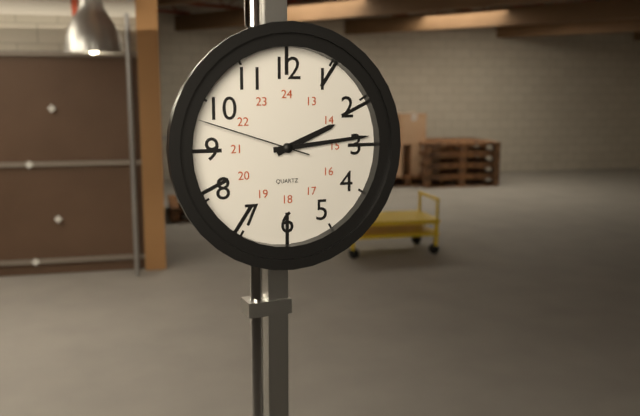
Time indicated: 2h14m48s
